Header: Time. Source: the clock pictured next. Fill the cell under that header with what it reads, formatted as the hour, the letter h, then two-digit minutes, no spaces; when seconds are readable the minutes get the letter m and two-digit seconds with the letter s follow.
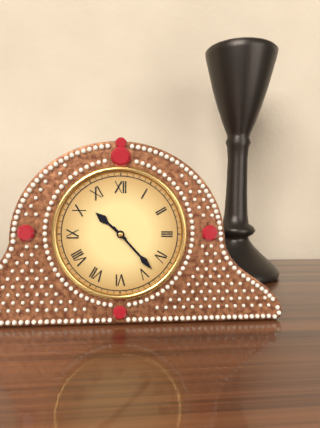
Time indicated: 10h23
